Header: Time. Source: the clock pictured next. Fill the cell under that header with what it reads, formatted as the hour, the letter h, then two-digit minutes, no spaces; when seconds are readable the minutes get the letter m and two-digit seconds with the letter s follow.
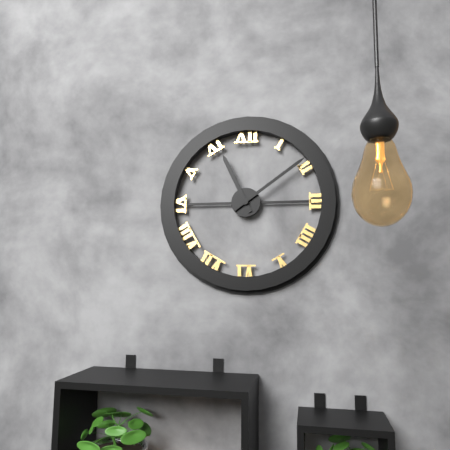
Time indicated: 11h09
